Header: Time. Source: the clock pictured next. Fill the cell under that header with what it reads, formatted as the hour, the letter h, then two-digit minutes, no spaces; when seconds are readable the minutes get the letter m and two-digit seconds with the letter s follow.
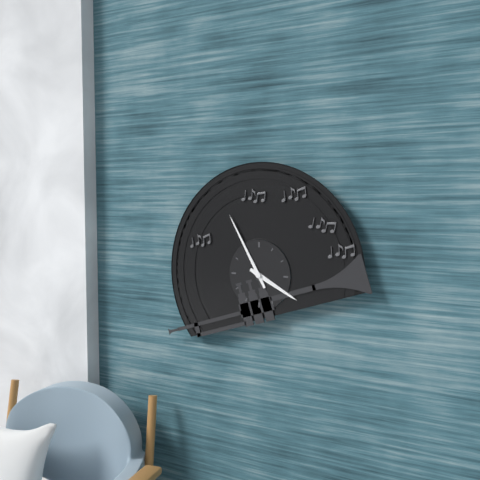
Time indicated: 3h55
